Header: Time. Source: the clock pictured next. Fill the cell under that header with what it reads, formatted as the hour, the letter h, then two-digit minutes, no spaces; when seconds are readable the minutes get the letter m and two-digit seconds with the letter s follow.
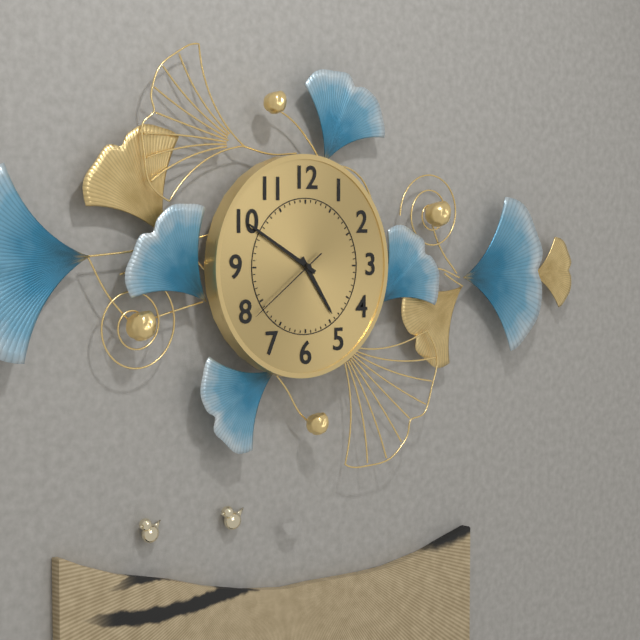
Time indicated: 4h50m39s
